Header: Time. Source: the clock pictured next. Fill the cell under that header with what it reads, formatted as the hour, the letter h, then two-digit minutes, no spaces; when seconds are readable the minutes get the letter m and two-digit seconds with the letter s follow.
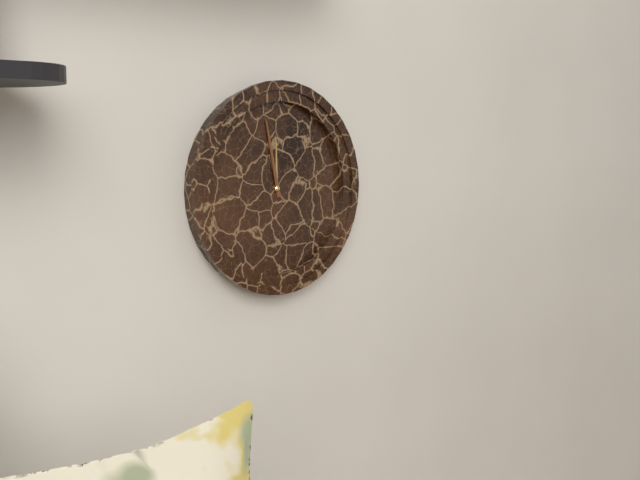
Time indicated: 11h58
